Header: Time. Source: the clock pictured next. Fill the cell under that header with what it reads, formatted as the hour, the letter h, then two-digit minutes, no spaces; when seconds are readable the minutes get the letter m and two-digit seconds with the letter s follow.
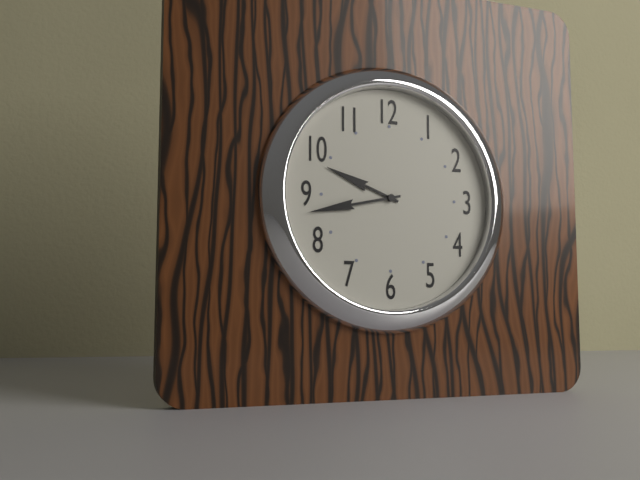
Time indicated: 9h43
